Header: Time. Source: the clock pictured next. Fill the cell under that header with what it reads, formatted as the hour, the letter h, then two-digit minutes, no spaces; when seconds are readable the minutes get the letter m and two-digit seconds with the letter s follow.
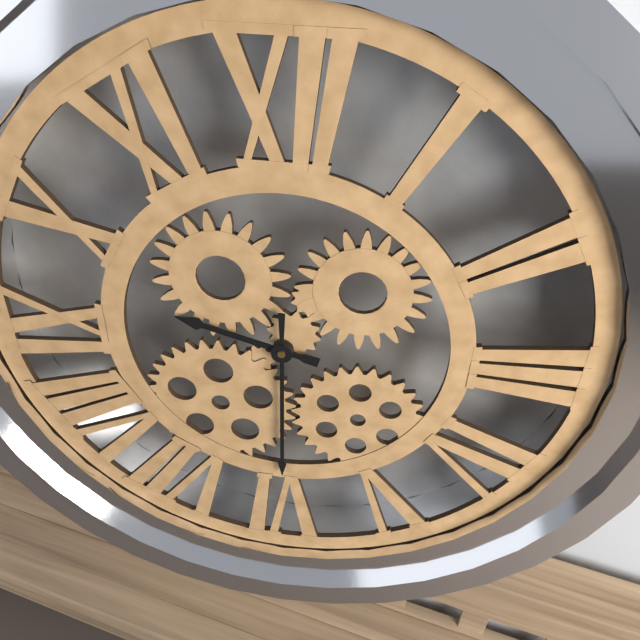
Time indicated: 9h30
